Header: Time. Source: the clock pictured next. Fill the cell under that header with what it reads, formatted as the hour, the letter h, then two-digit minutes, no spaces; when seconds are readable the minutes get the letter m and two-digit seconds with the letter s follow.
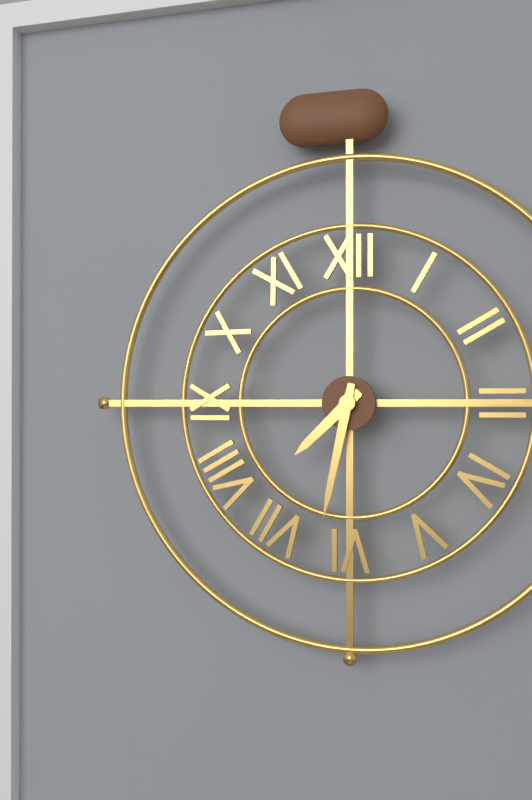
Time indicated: 7h32
